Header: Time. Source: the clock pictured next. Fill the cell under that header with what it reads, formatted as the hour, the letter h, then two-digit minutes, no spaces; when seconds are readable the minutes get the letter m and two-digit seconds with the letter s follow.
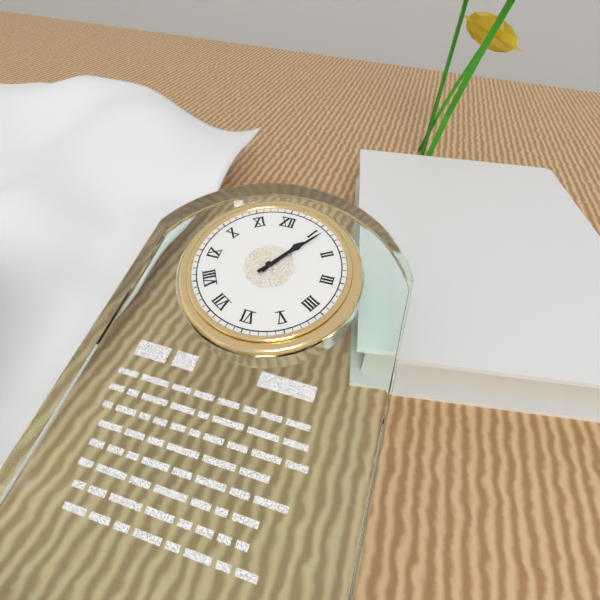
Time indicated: 1h06
